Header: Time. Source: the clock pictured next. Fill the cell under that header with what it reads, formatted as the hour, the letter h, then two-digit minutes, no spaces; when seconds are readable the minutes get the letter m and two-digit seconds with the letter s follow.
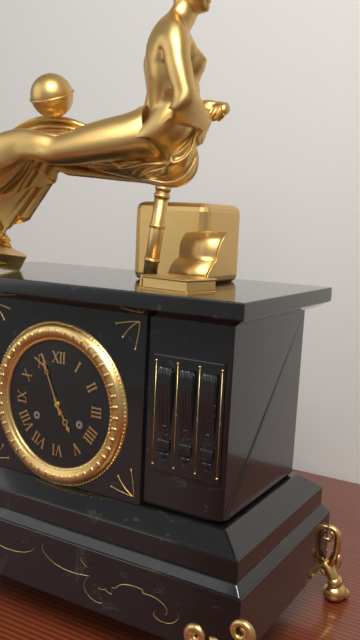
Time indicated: 4h56
